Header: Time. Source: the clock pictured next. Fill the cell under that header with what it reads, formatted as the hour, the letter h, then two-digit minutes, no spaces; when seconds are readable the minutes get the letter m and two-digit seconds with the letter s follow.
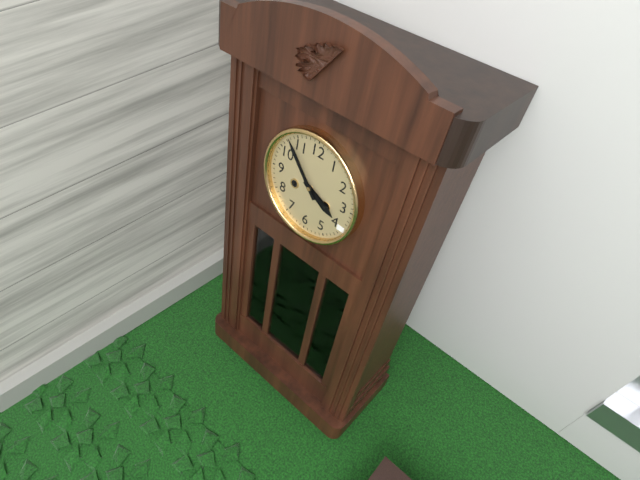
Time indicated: 3h53
